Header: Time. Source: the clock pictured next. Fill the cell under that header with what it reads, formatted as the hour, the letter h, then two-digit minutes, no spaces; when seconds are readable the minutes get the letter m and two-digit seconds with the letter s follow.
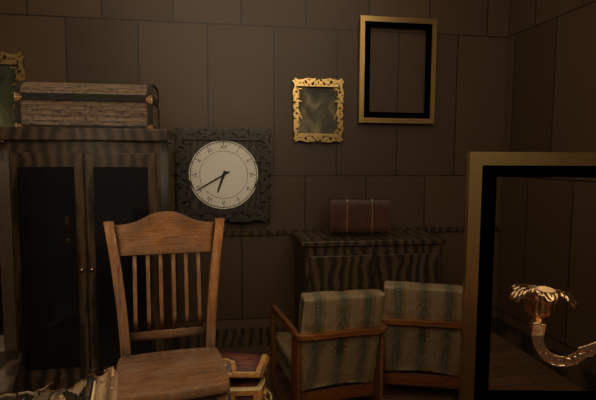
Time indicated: 6h40
